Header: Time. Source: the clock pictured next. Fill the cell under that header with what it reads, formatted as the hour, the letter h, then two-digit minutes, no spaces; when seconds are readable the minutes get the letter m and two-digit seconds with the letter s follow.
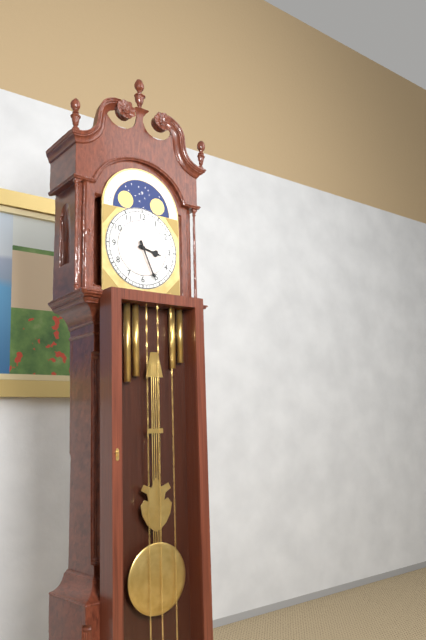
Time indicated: 3h26
